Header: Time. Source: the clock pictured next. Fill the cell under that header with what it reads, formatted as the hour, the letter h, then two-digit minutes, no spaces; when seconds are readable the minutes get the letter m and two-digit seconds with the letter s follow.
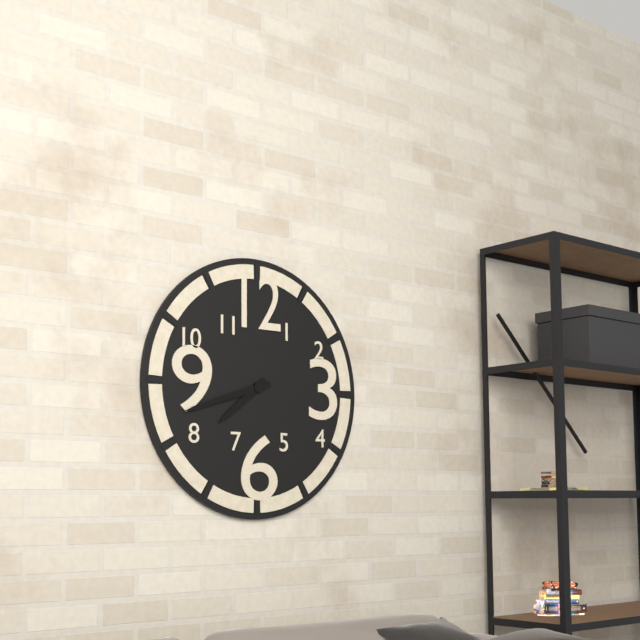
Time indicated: 7h42
